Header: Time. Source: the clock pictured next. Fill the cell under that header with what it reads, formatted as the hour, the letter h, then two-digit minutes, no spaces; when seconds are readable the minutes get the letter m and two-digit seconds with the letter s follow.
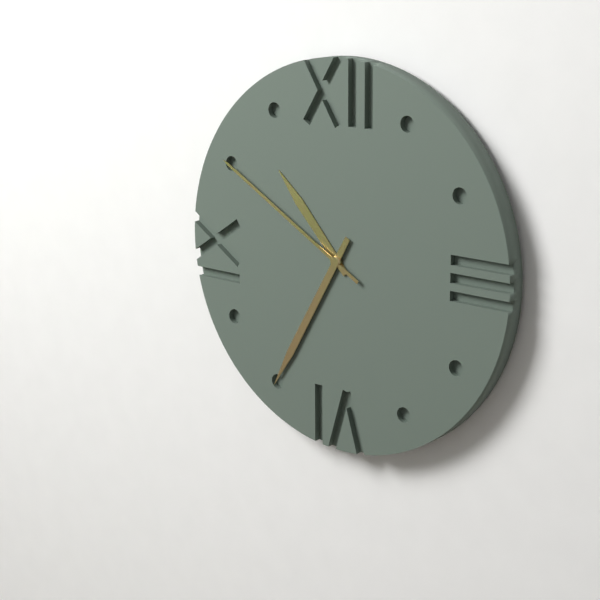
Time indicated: 10h35m50s
